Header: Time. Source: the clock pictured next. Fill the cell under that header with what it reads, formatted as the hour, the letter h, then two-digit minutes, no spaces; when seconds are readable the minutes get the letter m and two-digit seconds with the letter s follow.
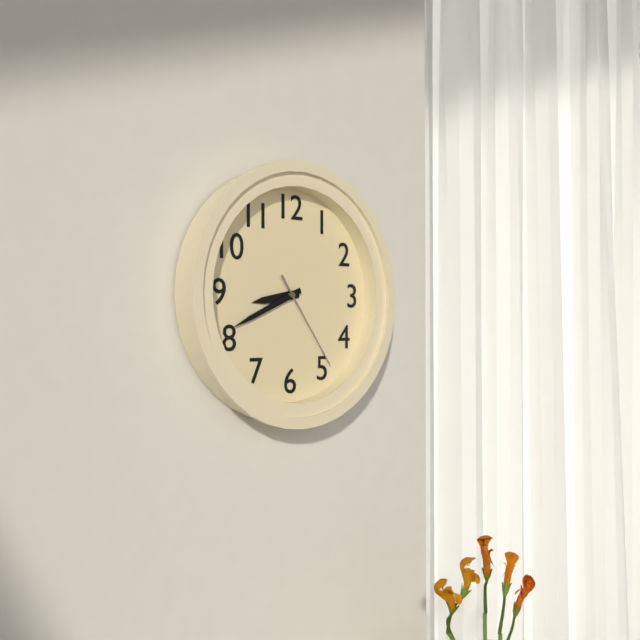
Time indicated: 8h41m24s
